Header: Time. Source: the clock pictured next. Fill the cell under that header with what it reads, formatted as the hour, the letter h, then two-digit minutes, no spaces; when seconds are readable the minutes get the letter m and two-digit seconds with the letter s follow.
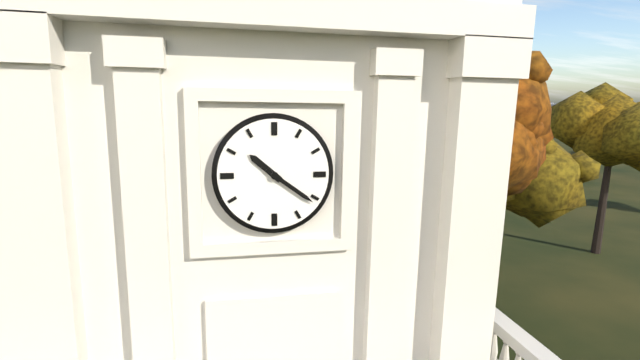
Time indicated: 10h21
